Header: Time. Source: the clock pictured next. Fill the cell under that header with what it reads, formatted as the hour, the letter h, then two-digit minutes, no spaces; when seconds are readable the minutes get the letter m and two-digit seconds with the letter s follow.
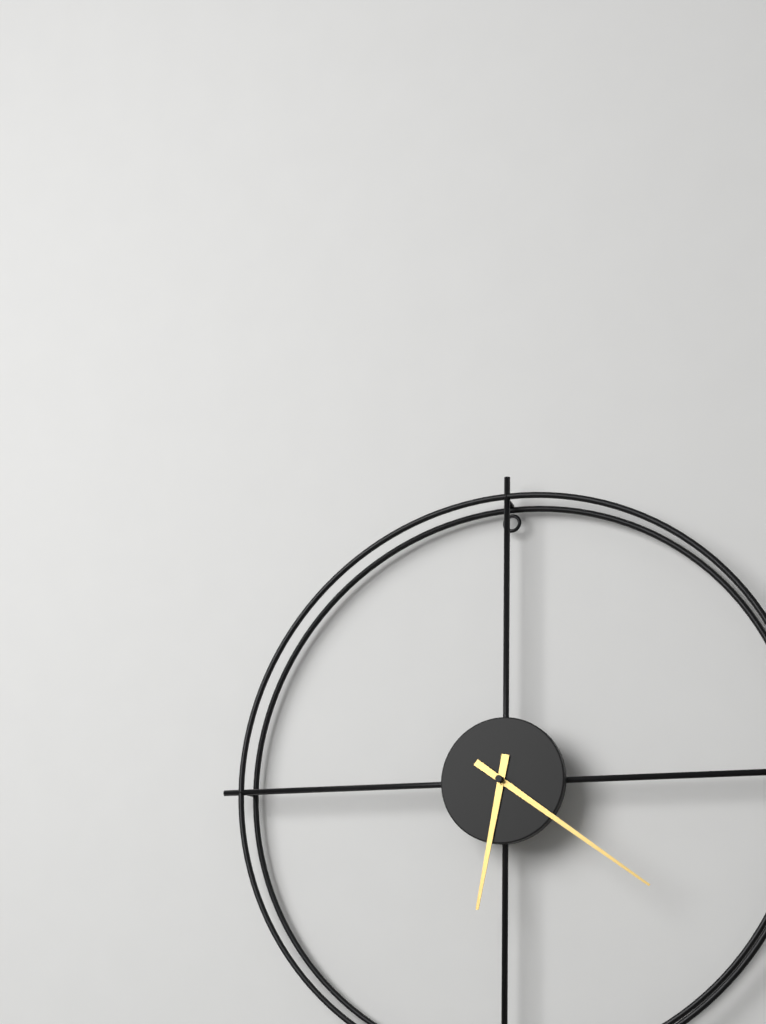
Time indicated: 6h21
